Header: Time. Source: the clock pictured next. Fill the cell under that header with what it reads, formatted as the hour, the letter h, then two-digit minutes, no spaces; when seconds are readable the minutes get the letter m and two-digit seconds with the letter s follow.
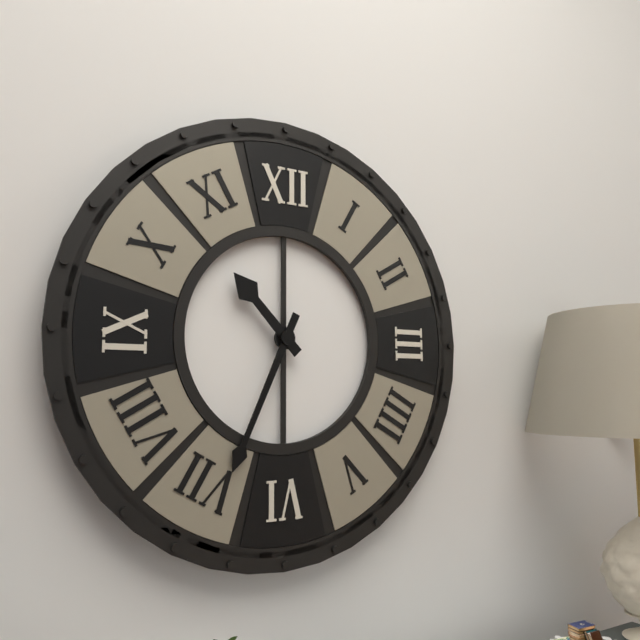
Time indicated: 10h34
